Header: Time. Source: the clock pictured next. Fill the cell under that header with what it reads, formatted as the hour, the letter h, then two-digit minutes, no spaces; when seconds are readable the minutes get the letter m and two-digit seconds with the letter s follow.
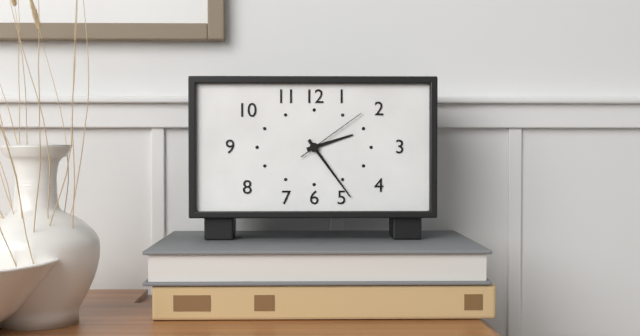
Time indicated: 2h24m09s
